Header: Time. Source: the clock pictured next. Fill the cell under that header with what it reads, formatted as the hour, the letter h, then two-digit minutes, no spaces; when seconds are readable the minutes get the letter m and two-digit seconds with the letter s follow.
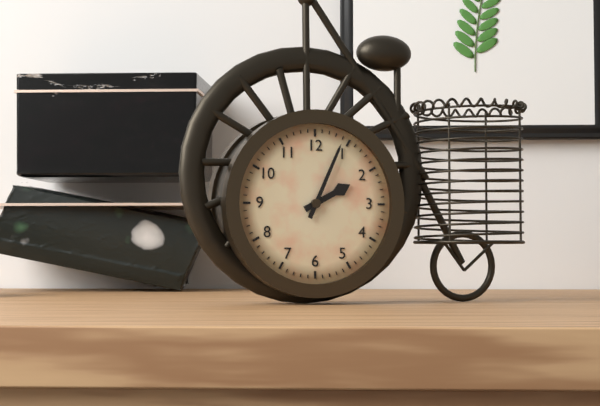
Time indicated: 2h04
